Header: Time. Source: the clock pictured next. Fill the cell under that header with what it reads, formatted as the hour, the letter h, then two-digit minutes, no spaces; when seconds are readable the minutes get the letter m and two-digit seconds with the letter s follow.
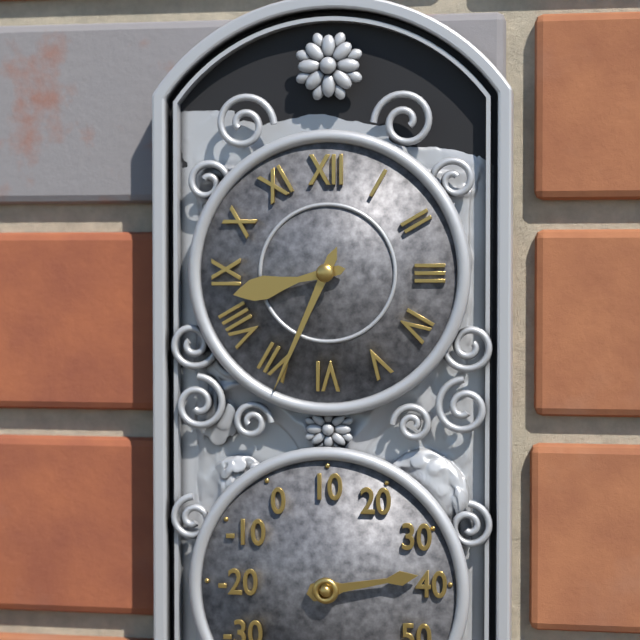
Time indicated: 8h34
